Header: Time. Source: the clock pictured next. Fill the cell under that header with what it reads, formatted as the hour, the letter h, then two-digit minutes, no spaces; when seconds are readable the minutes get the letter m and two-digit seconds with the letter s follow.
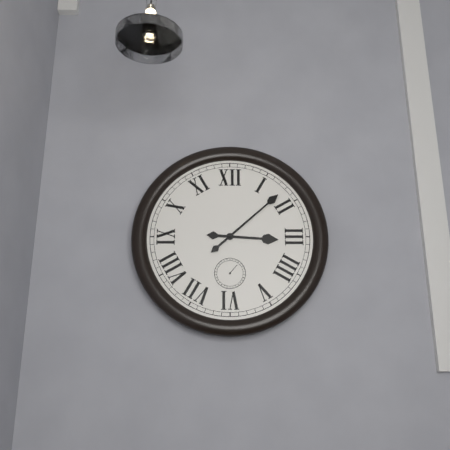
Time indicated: 3h08
